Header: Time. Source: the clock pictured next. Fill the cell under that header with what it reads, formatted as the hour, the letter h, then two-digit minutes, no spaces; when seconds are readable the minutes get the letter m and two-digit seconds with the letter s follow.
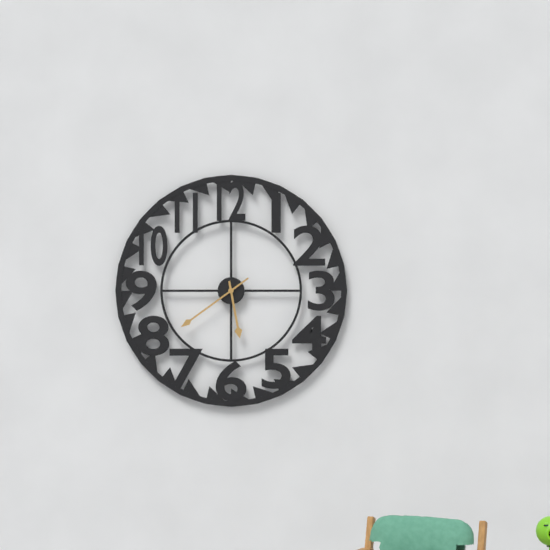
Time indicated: 5h39
